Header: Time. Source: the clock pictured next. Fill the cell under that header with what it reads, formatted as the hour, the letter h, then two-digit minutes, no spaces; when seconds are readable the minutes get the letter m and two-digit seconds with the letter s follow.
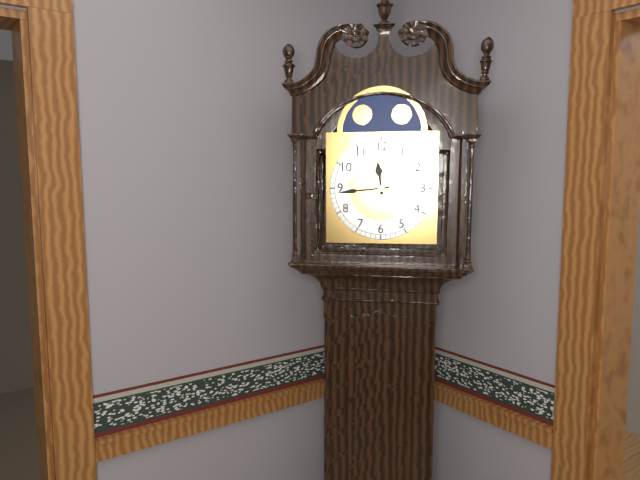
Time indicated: 11h44
